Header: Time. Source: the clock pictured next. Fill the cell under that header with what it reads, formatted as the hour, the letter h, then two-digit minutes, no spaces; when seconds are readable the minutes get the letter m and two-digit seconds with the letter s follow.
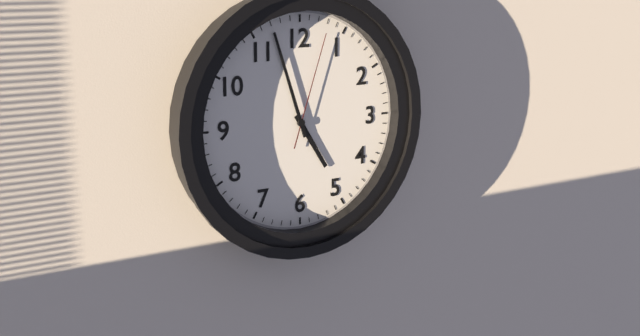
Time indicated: 4h57m03s
